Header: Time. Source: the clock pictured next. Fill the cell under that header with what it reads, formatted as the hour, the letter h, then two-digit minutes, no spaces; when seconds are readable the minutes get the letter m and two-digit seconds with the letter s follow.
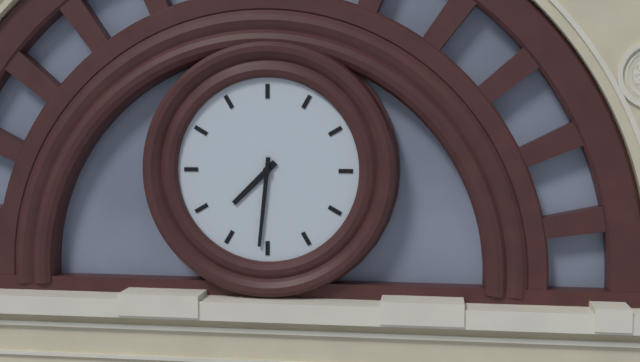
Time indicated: 7h31
